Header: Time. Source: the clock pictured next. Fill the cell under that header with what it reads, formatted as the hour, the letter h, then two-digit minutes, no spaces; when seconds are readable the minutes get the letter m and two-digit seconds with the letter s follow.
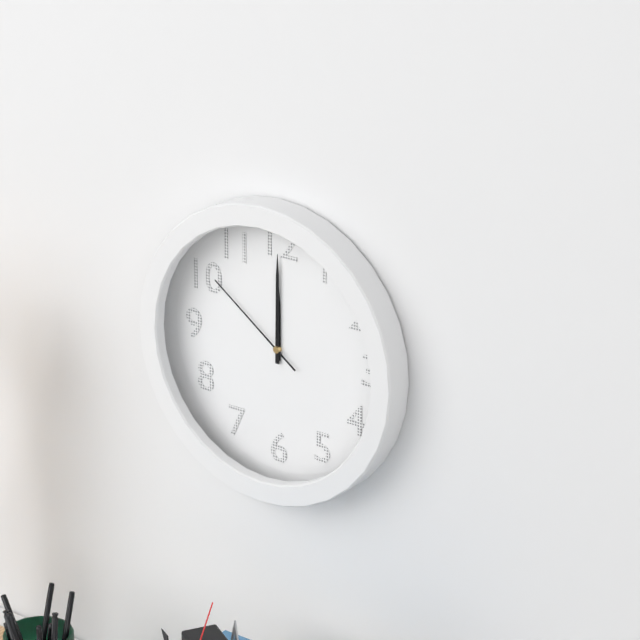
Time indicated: 12h00m51s
